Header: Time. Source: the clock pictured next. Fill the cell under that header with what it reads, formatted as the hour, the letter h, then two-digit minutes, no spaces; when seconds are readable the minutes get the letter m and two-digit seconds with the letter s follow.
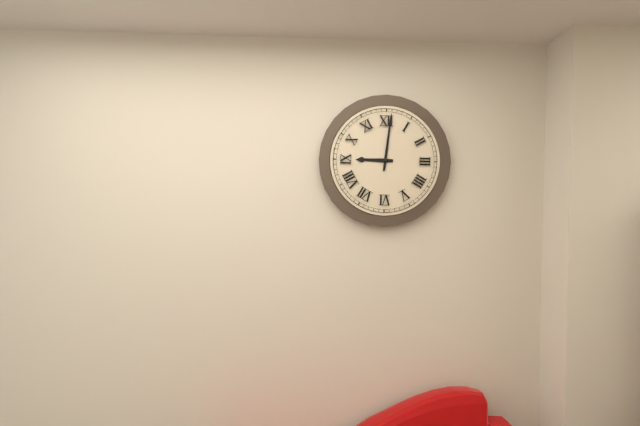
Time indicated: 9h01
